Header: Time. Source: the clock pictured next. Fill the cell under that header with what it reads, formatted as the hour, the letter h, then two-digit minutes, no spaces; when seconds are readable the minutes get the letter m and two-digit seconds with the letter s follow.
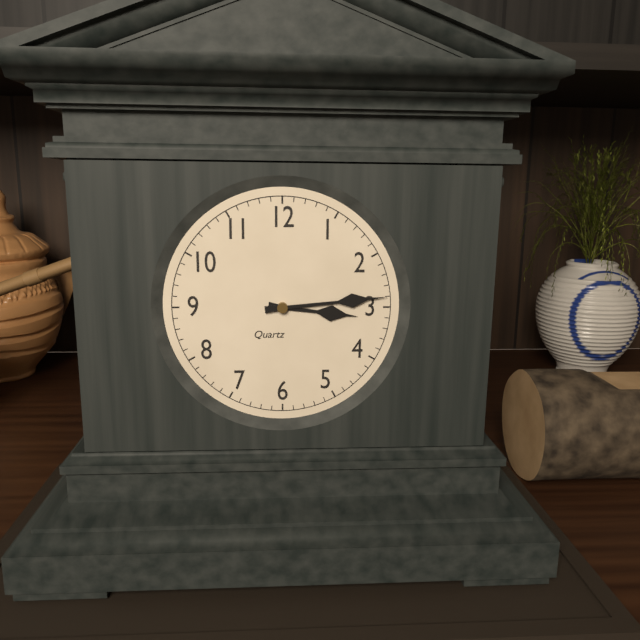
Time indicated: 3h14
